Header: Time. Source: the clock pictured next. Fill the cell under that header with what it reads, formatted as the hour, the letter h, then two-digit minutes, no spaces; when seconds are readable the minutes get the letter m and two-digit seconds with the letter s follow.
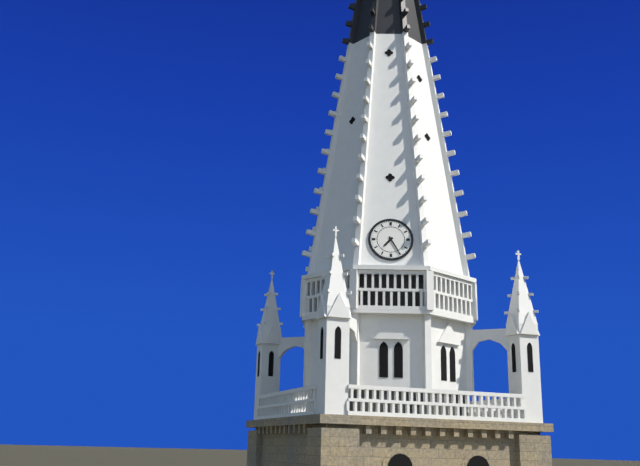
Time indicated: 7h25
